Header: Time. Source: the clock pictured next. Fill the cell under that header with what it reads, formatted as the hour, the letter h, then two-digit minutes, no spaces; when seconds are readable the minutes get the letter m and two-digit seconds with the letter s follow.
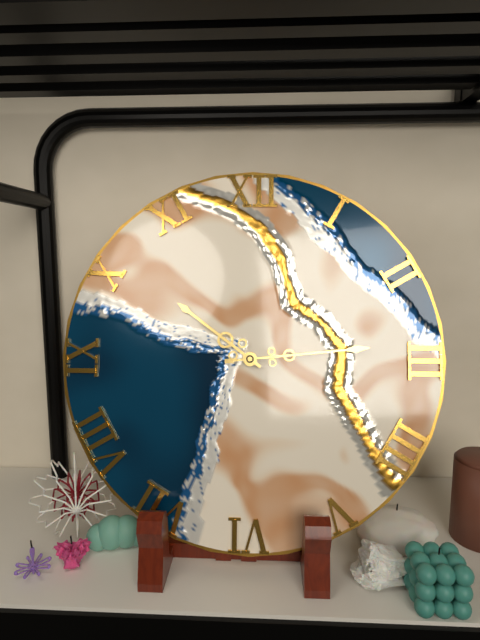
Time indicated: 10h14
